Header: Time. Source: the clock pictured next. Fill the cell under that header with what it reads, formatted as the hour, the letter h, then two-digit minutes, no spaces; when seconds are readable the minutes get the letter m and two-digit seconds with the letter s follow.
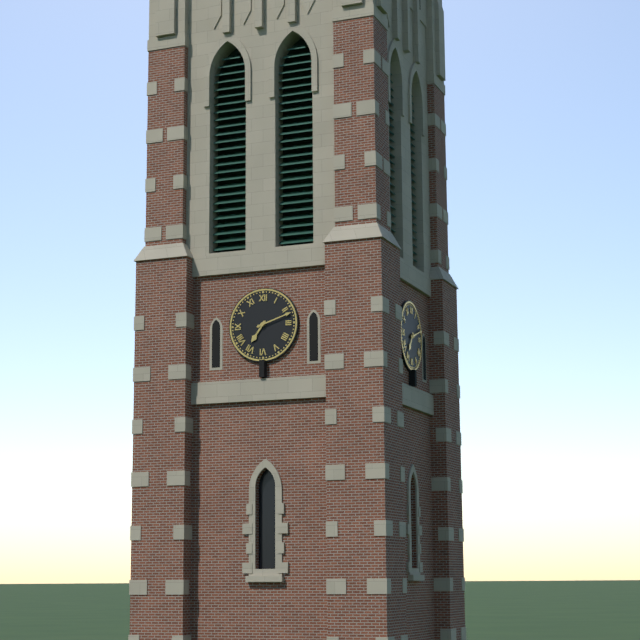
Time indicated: 7h12
